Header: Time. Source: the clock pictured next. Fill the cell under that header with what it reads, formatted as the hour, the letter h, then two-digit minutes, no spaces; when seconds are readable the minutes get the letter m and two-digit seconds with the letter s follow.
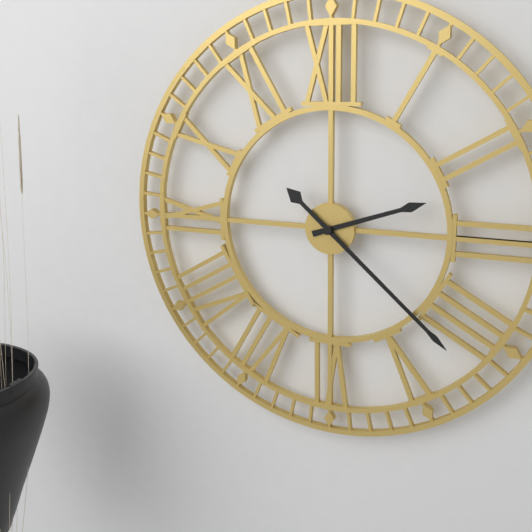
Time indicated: 2h22
